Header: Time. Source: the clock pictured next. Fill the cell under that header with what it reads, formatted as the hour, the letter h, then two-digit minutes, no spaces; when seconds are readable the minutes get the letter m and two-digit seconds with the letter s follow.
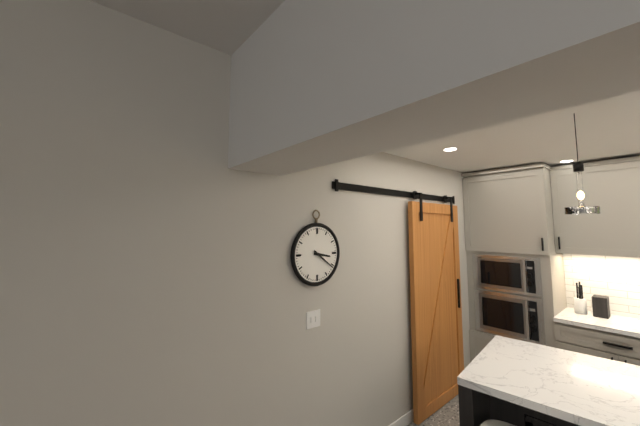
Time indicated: 3h21
